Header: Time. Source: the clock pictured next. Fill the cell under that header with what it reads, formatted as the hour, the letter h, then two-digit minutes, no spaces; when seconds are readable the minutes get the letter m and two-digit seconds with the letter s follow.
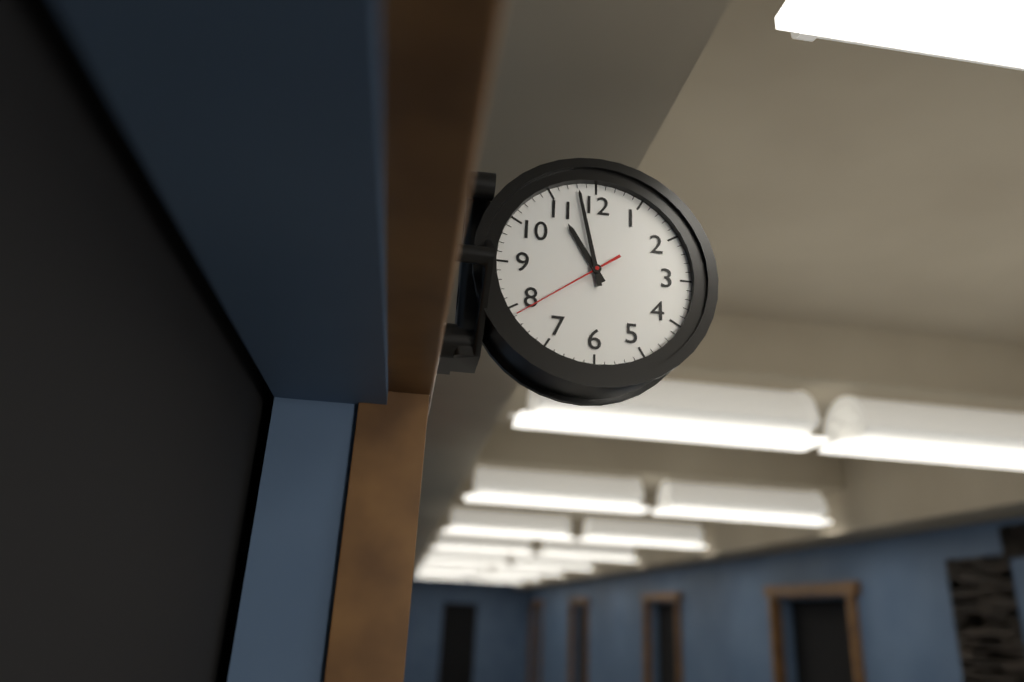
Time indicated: 10h58m39s
